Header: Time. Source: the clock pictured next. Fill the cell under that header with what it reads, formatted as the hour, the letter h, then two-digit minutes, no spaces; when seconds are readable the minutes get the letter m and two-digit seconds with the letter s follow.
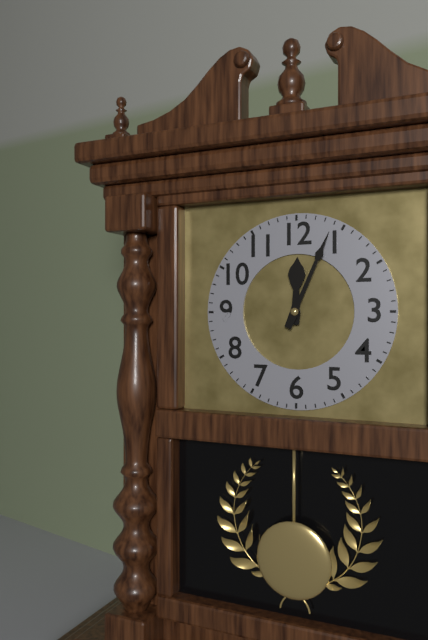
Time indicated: 12h04
